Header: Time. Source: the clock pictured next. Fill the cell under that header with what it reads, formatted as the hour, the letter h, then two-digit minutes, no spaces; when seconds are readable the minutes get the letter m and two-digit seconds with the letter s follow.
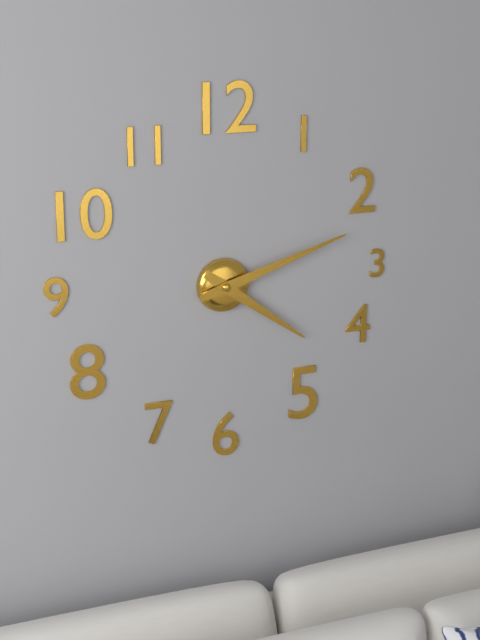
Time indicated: 4h12
